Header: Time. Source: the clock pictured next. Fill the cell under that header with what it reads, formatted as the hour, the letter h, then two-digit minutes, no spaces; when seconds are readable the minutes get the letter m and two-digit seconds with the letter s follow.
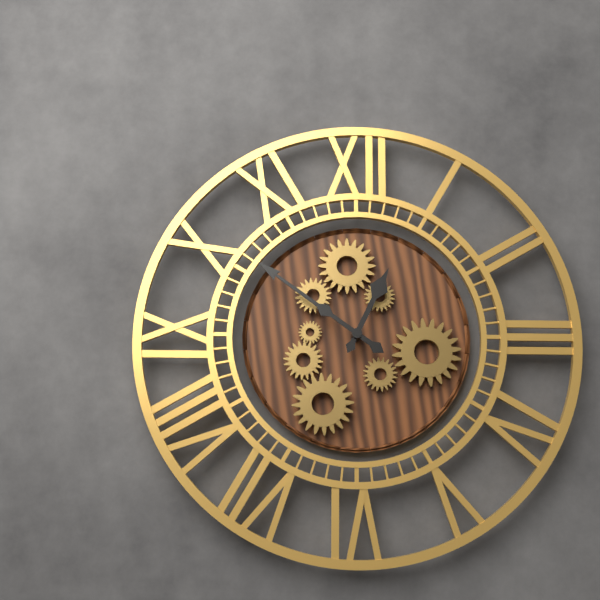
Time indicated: 12h51
